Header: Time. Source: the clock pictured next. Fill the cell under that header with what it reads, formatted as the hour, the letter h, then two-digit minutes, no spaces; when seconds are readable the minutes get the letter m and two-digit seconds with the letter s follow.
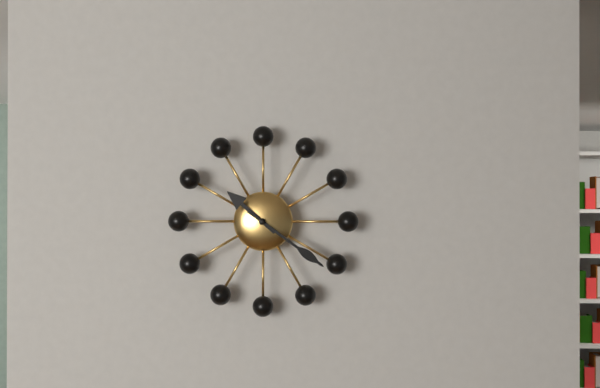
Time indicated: 10h21
